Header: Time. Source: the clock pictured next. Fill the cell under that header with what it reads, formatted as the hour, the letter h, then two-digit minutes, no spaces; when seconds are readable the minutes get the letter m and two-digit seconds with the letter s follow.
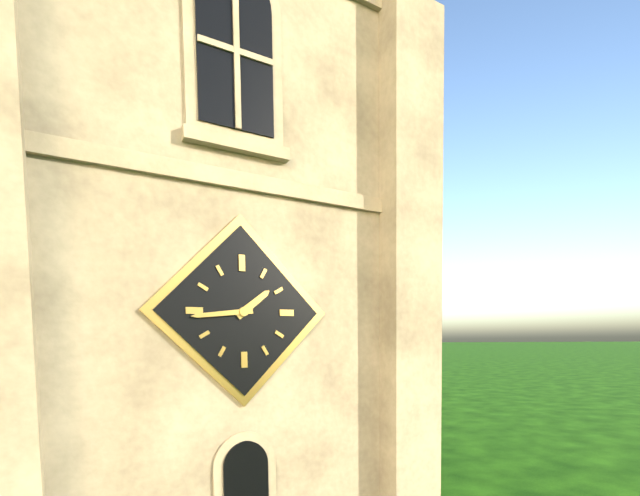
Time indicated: 1h44
